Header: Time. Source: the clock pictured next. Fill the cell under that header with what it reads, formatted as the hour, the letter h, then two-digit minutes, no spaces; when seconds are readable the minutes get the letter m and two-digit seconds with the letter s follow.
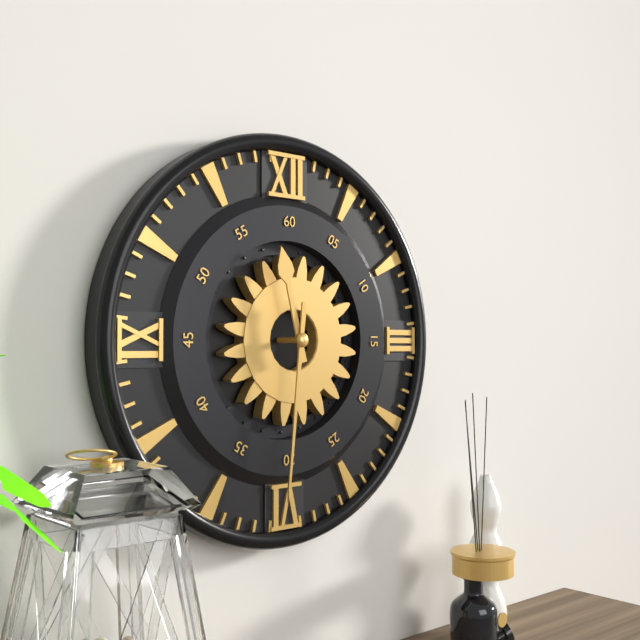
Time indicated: 11h31
